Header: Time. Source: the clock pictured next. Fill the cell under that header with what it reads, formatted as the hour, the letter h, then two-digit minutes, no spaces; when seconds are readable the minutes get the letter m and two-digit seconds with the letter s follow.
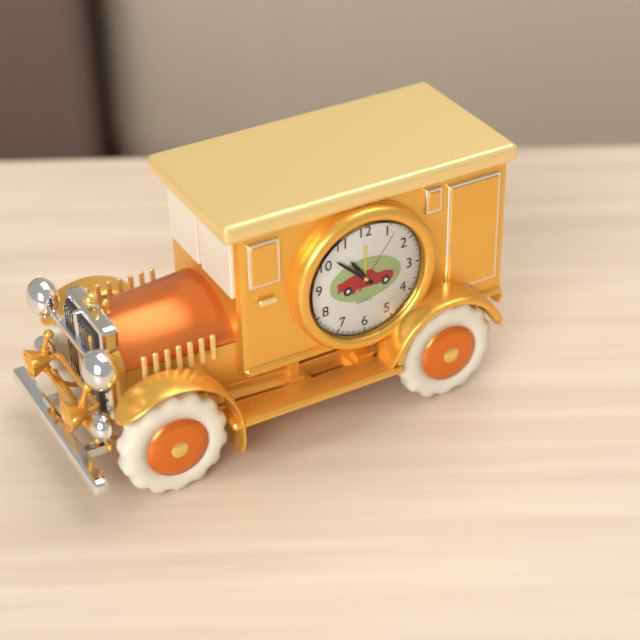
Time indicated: 10h52m06s
